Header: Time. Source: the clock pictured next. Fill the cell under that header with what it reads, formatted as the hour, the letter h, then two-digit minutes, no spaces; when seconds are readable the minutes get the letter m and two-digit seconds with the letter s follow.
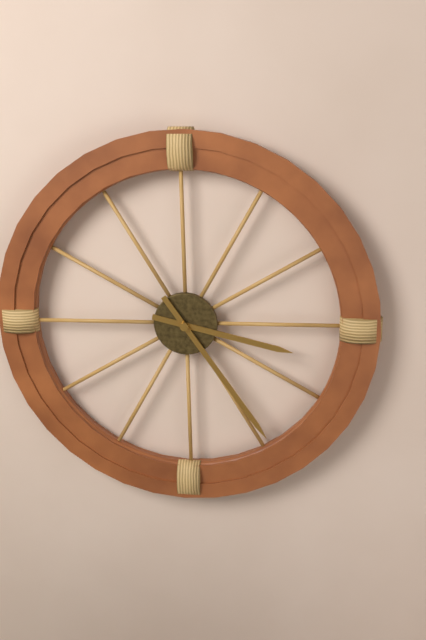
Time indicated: 3h24
